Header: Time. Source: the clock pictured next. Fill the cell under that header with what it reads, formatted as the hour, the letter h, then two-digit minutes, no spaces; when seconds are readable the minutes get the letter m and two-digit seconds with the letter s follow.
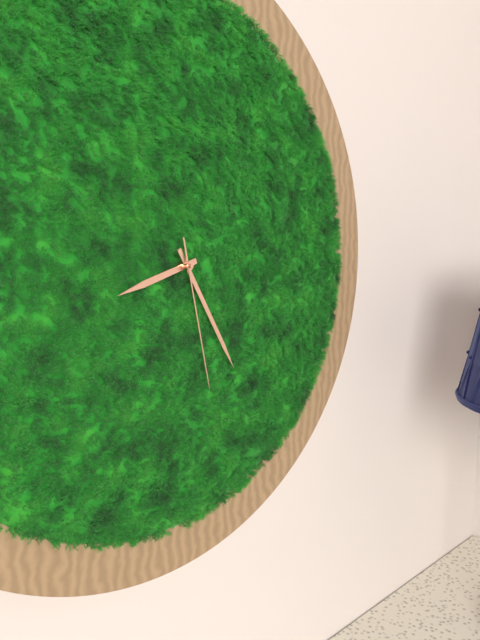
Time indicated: 8h25m28s
